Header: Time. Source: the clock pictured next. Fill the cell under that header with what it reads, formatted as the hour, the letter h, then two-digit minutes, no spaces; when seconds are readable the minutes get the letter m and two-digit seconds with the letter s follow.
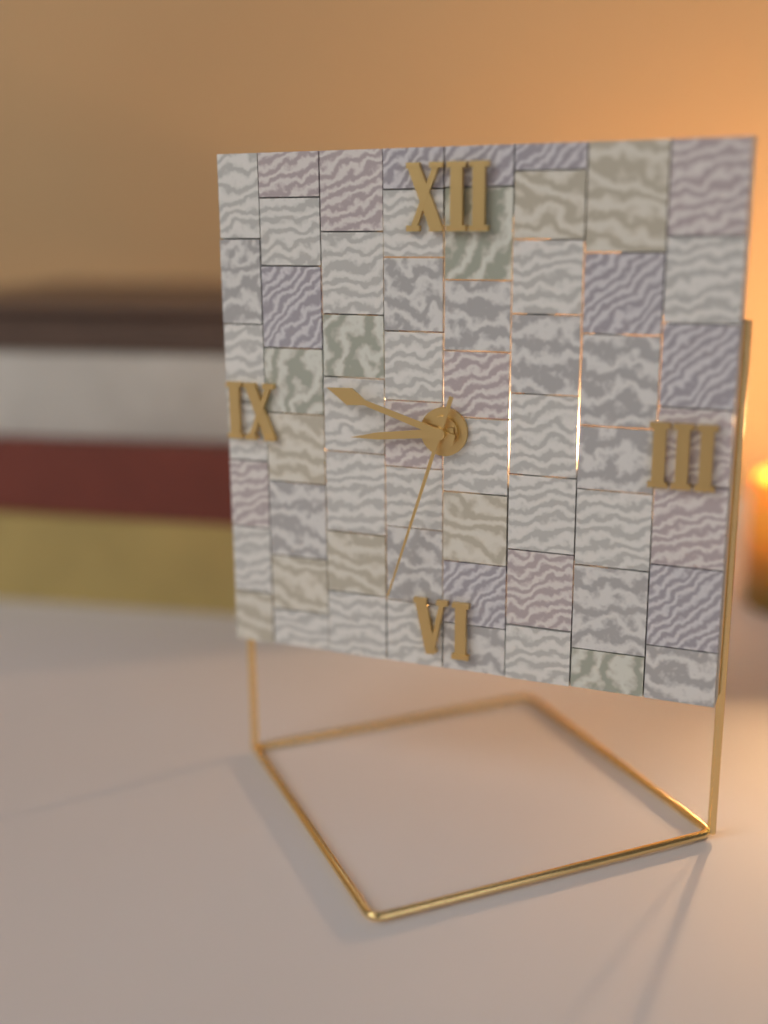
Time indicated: 8h48m33s
